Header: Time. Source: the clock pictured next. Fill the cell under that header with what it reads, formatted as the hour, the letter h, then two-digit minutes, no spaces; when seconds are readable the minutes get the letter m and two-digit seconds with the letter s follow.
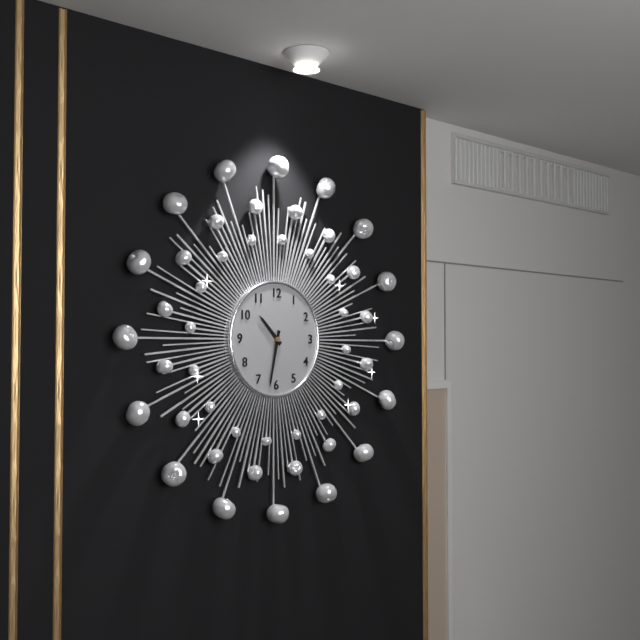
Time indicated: 10h32
